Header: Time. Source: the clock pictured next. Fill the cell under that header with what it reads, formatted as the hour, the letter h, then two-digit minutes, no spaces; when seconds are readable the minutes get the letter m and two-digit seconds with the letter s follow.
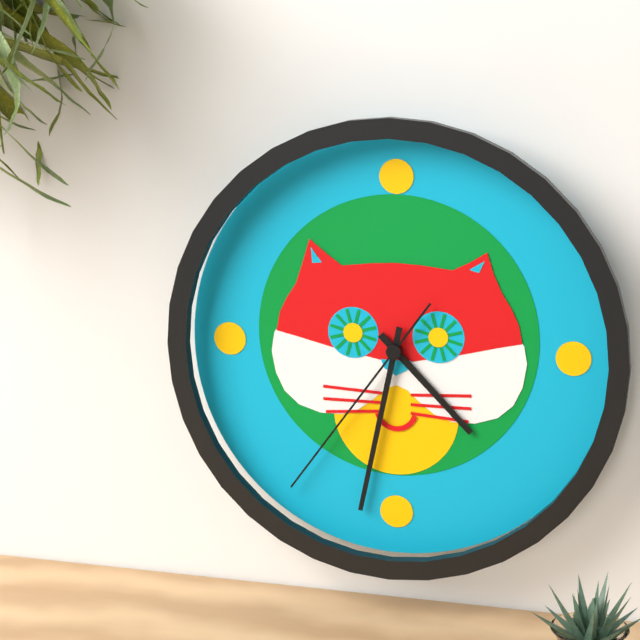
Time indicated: 4h32m36s
